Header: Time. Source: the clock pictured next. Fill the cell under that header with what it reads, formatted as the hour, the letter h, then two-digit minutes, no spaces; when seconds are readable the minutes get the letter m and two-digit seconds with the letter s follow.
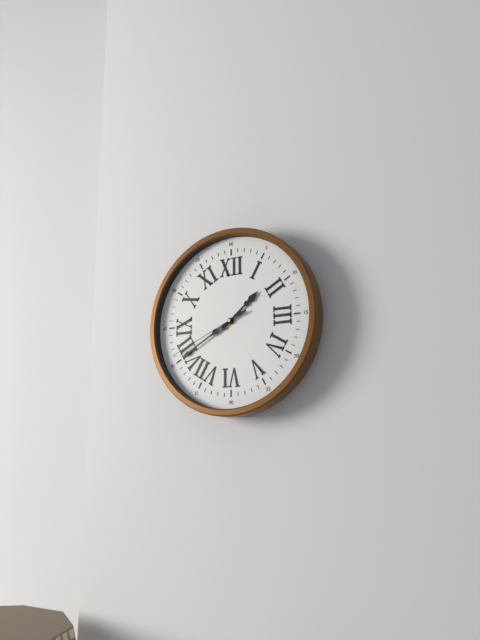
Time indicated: 1h40m41s
